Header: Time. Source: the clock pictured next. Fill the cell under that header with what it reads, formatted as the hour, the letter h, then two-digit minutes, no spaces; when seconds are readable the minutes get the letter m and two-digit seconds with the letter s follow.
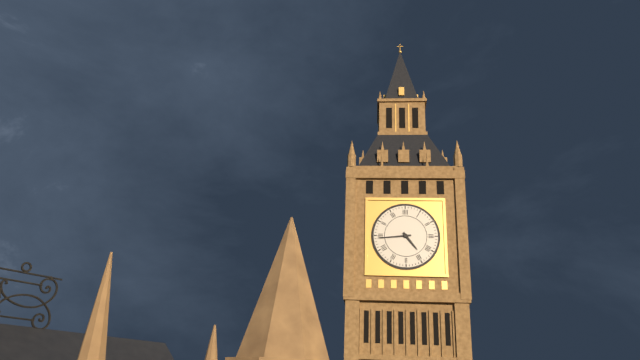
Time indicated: 4h44
